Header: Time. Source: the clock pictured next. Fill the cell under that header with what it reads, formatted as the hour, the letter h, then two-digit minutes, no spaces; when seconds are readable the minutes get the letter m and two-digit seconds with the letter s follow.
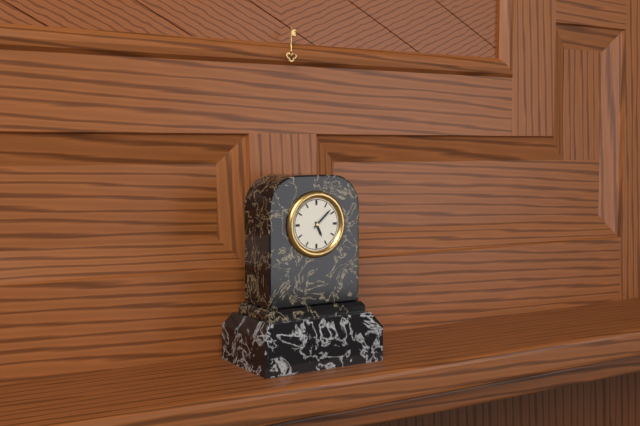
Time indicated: 5h08
